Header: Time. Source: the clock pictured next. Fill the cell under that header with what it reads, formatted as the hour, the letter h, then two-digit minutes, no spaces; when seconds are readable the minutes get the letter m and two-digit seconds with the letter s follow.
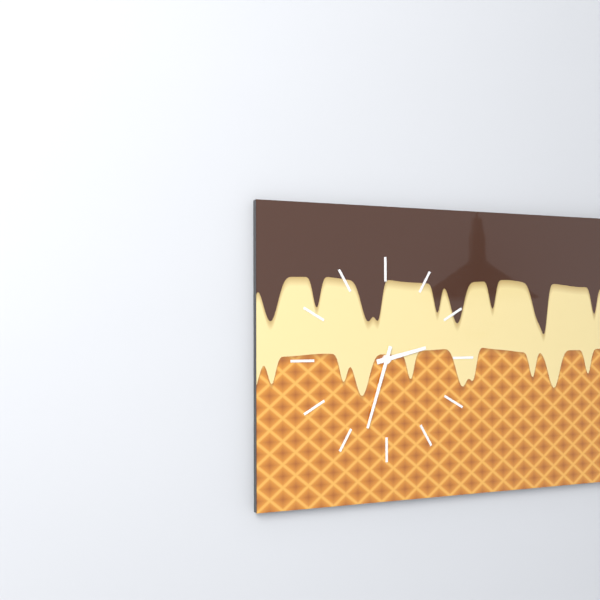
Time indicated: 2h33
